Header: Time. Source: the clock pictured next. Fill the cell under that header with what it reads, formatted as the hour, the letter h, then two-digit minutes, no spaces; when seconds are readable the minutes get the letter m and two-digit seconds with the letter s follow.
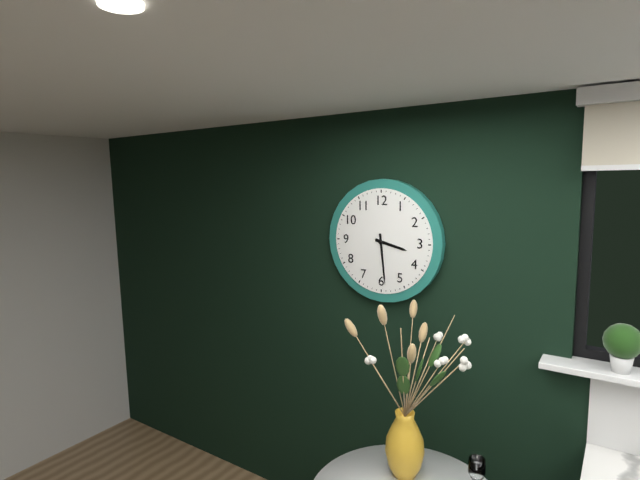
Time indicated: 3h29
